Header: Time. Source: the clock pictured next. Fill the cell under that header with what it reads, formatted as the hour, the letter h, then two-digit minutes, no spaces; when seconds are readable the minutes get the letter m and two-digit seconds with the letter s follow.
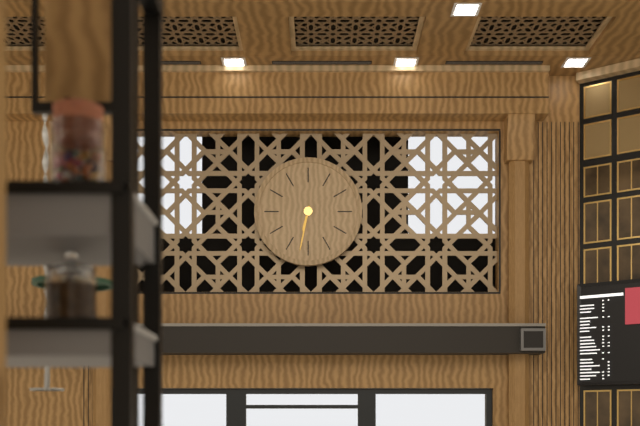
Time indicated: 6h32
